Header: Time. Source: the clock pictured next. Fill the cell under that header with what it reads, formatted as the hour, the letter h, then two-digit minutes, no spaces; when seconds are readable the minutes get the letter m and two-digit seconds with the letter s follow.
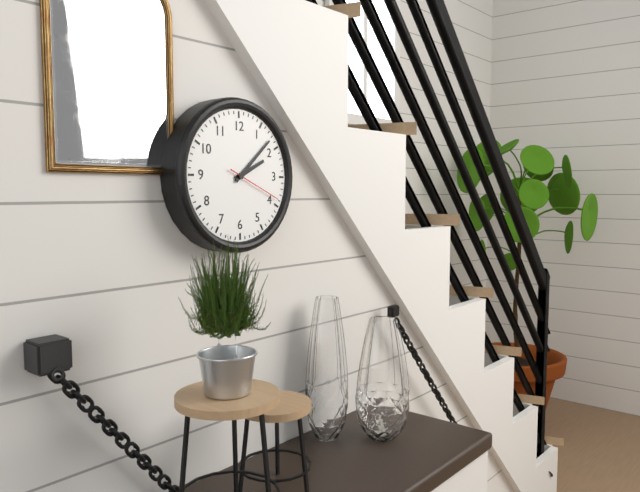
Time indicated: 2h08m19s
